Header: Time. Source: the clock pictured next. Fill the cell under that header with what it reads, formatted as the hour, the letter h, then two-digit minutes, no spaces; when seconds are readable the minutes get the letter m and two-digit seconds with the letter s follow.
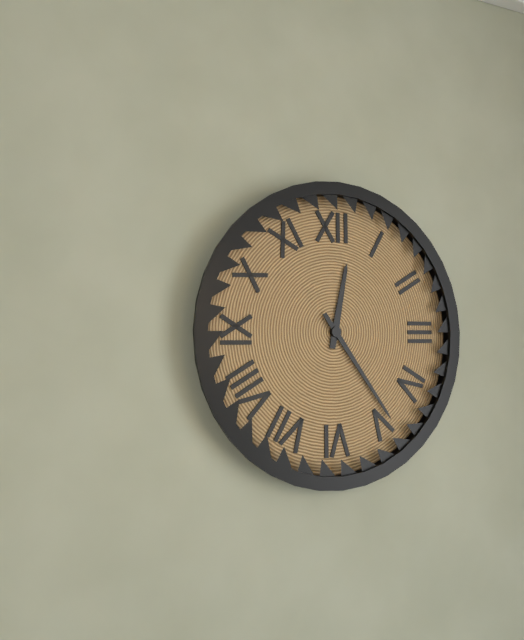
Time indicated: 12h24
